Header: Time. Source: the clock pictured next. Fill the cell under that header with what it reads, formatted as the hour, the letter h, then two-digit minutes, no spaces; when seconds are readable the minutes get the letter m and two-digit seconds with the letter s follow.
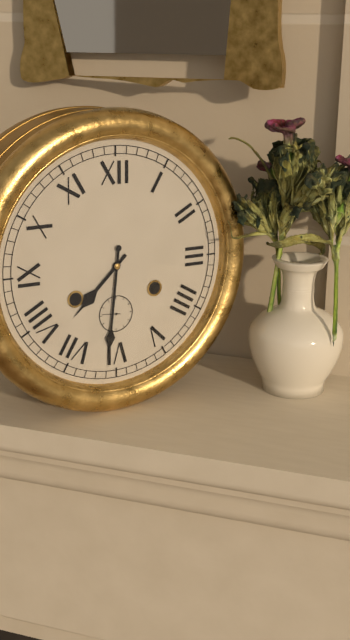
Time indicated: 7h31
